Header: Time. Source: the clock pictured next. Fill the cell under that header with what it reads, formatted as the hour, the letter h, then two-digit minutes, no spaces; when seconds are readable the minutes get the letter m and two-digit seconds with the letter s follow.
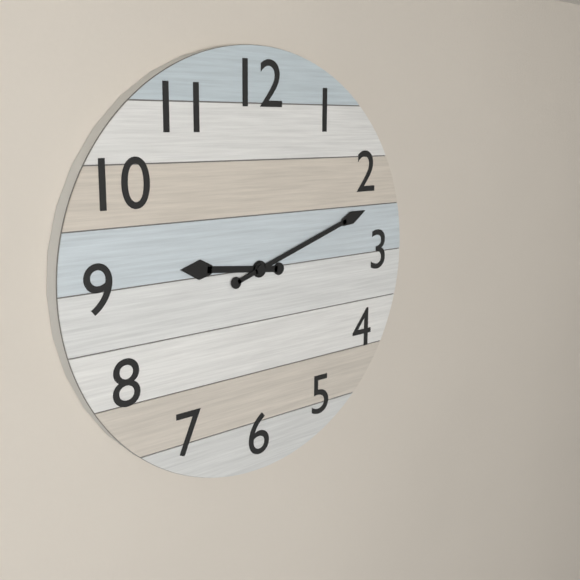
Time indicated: 9h12
